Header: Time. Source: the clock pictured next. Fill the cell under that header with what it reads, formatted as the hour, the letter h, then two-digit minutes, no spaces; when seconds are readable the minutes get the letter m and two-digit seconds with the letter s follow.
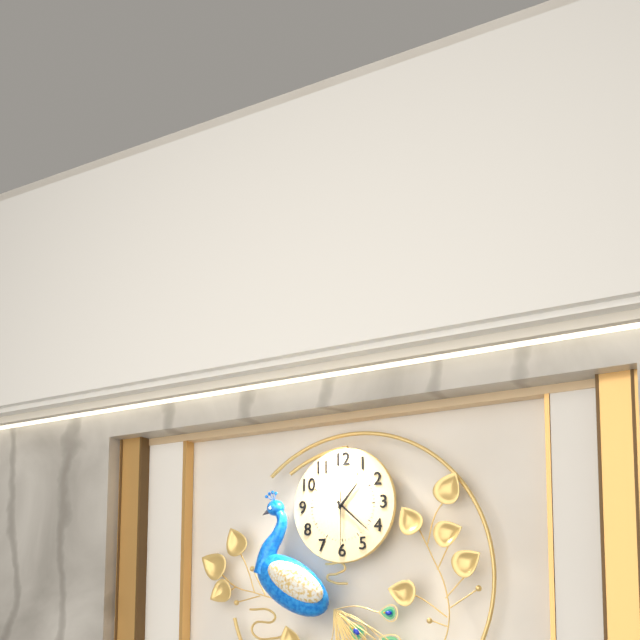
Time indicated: 1h22m30s
